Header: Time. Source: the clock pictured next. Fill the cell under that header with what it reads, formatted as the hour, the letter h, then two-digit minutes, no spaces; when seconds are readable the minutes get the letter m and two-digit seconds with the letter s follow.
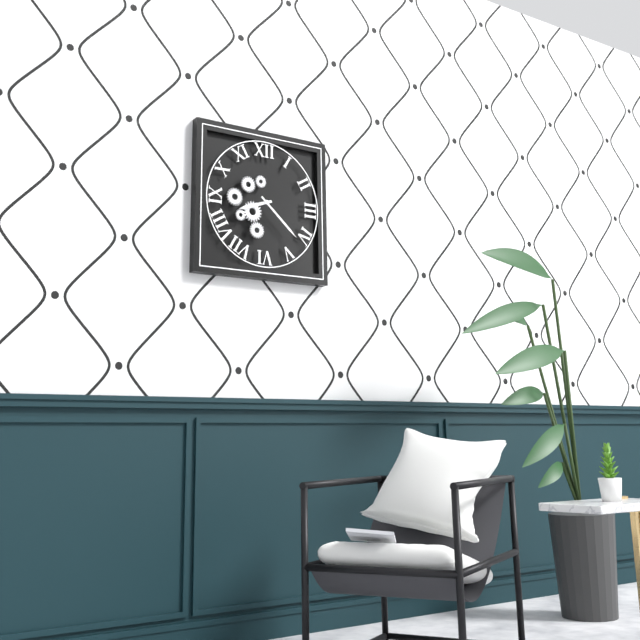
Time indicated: 8h22
